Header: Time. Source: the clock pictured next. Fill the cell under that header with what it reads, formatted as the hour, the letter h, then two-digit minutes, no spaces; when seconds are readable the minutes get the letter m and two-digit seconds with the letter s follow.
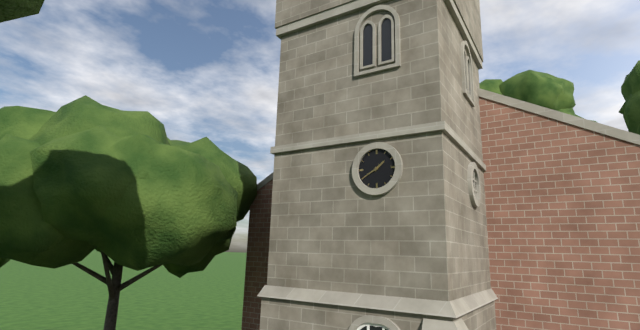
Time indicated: 1h40
